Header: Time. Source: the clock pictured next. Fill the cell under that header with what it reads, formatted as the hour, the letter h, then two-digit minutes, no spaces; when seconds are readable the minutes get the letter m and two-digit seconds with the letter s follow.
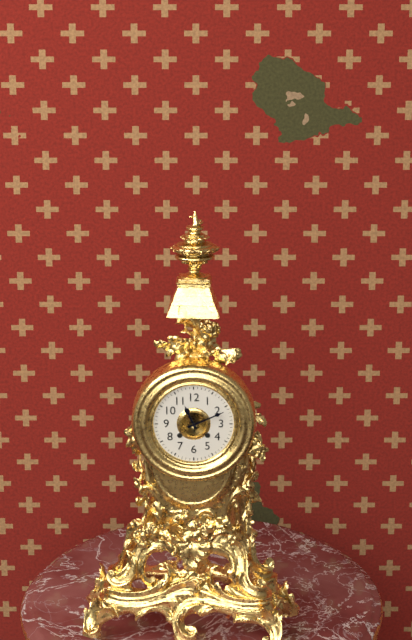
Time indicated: 11h11
